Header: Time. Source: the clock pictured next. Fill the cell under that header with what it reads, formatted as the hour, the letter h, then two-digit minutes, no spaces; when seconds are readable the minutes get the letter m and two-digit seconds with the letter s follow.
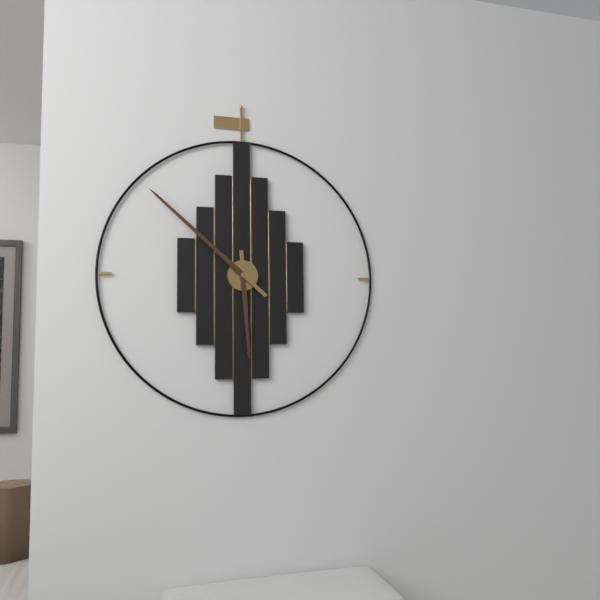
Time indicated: 5h52
